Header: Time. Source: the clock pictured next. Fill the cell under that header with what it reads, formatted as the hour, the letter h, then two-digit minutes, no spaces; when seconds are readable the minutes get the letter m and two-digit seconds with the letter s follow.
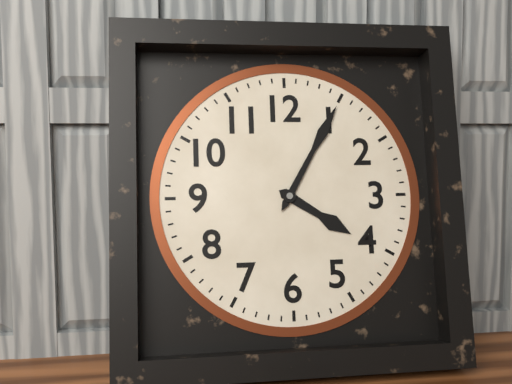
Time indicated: 4h05
